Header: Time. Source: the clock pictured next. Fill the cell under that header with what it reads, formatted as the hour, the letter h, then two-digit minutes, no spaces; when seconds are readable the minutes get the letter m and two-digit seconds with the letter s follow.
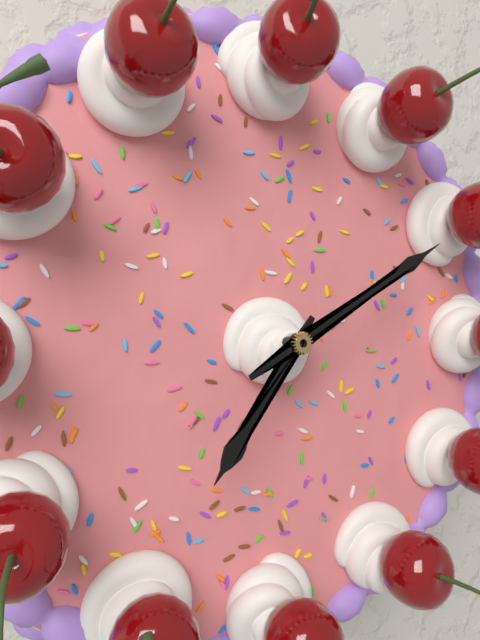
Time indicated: 7h10
